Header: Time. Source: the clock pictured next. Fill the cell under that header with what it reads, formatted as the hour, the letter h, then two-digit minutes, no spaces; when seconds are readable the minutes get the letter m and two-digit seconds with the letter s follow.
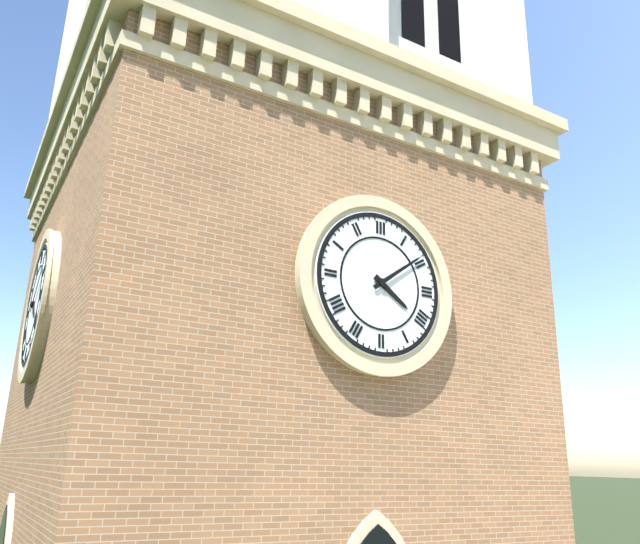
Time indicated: 4h09
